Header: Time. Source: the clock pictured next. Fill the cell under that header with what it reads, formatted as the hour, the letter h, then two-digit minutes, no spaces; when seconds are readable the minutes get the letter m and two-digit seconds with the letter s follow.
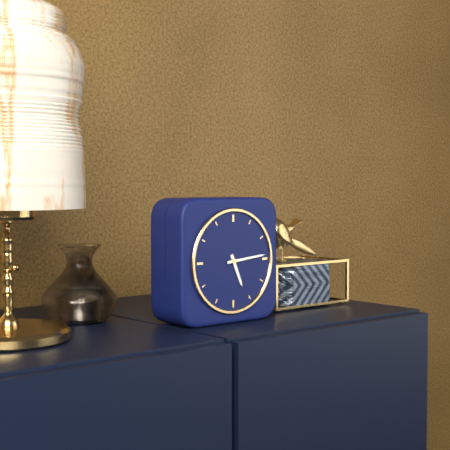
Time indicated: 5h14
